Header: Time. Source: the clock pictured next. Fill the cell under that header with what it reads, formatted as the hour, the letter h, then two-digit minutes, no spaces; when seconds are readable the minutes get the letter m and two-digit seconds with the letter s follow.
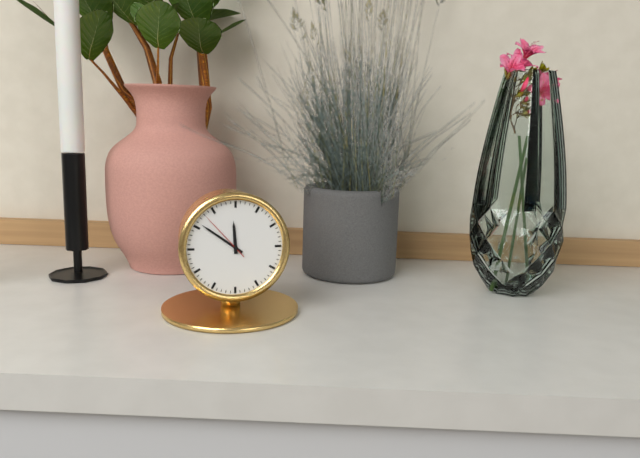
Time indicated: 11h51m53s
